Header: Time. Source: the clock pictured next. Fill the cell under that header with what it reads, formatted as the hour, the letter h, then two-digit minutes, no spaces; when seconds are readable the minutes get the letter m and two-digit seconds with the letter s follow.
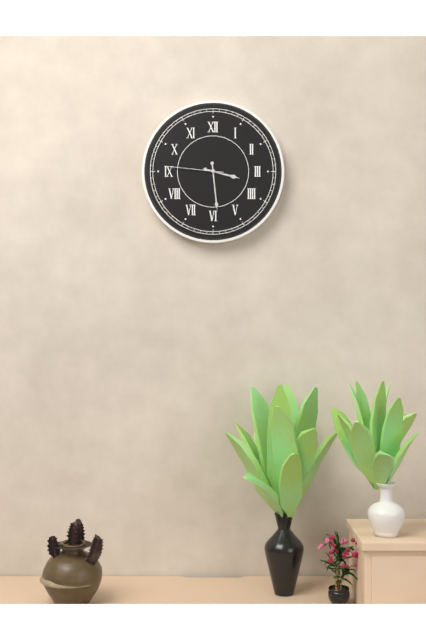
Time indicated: 3h29m46s
